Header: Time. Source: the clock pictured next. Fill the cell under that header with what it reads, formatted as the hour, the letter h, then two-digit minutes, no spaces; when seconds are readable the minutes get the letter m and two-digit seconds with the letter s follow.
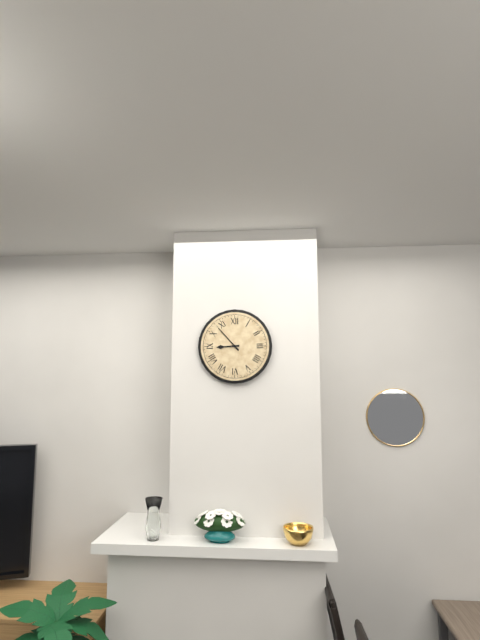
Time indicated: 8h53
